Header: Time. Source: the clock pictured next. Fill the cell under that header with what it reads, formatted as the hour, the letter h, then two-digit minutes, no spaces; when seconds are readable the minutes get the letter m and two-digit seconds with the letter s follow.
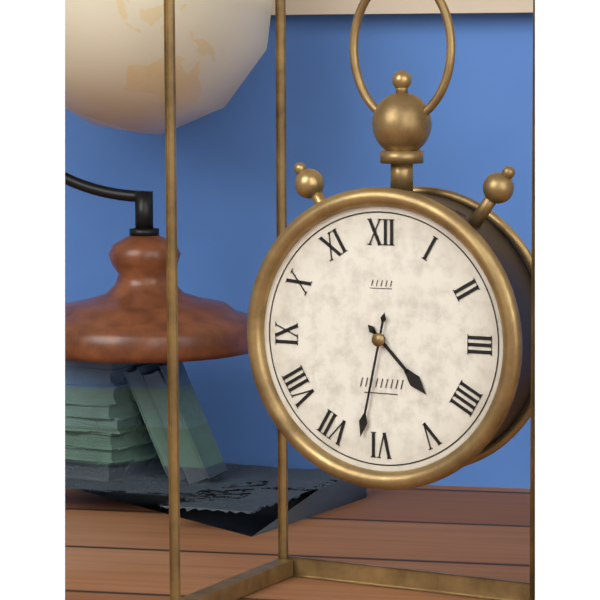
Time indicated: 4h32
